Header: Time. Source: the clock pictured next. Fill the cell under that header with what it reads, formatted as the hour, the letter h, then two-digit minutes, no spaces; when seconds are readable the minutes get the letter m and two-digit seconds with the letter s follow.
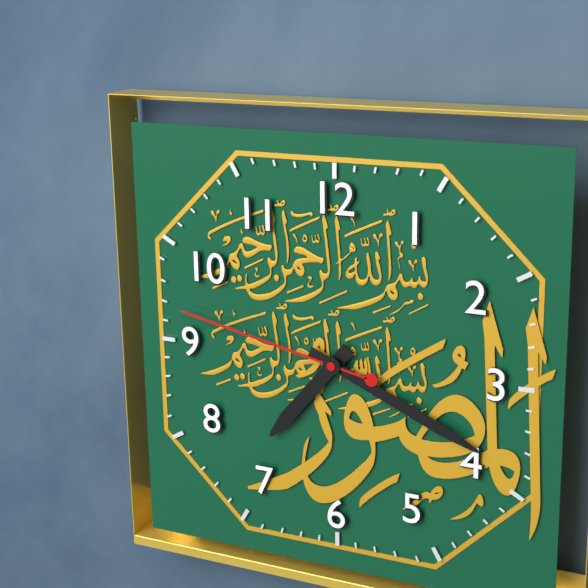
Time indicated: 7h19m47s
